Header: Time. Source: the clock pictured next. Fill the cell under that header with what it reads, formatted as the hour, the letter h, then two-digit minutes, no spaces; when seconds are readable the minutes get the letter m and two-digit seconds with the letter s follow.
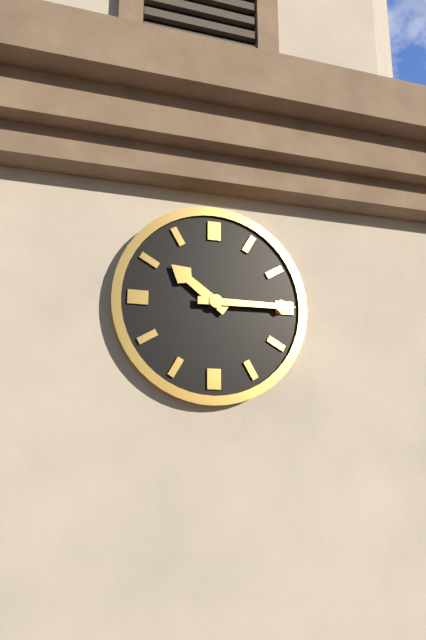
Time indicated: 10h15
